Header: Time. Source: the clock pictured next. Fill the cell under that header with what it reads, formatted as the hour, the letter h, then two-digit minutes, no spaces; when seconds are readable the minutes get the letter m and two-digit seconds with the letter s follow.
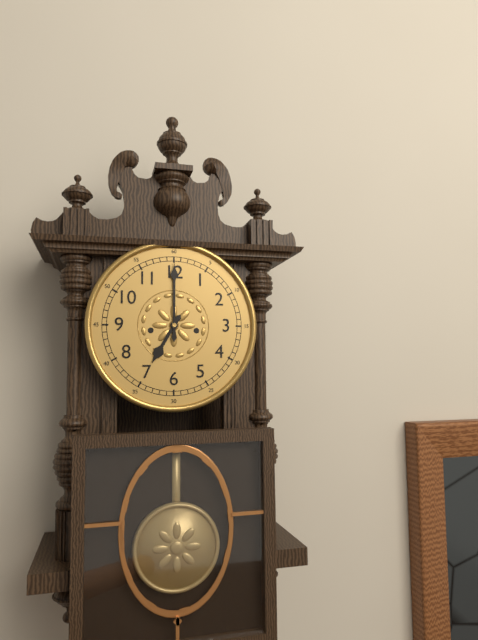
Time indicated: 7h00
